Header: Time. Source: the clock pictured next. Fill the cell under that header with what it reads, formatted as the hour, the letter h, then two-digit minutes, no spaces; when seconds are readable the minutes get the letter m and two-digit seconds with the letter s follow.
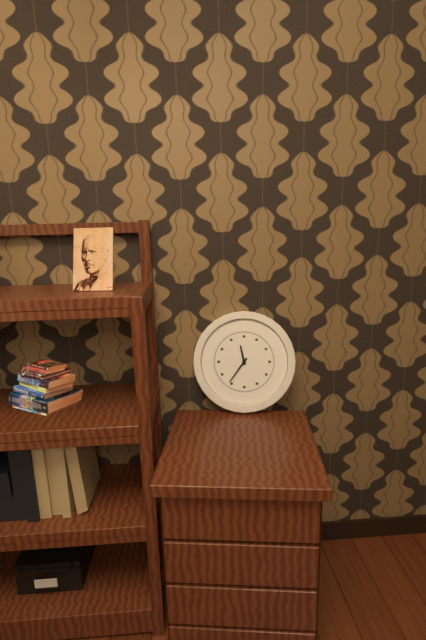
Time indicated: 11h36
